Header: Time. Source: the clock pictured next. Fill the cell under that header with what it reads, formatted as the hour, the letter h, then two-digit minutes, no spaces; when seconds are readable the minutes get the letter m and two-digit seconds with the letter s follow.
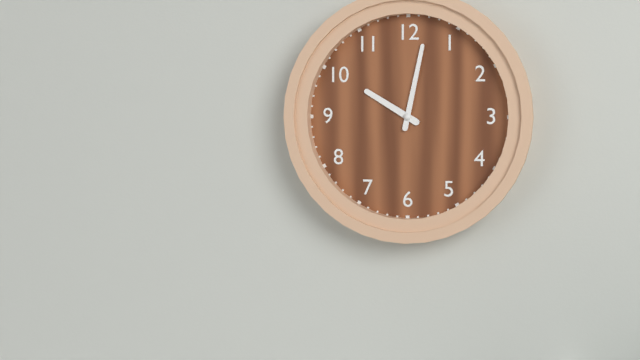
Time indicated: 10h02
